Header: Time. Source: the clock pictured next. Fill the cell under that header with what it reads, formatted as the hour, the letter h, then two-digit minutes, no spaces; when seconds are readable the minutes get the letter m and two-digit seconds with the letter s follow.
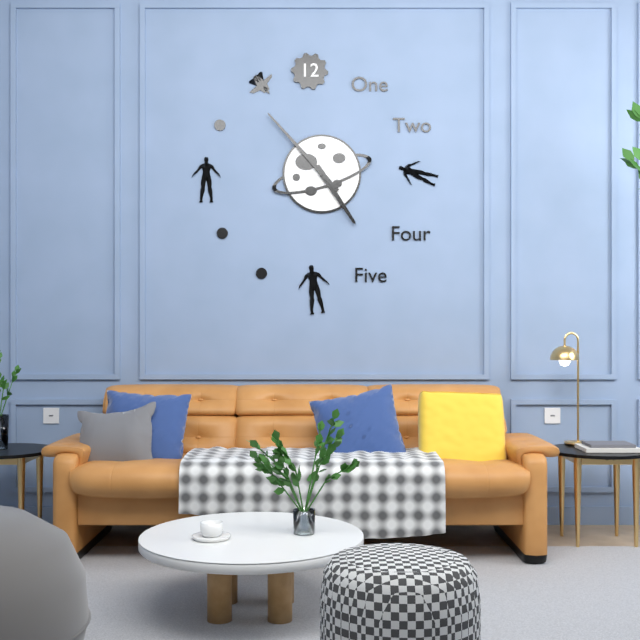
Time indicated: 4h53
